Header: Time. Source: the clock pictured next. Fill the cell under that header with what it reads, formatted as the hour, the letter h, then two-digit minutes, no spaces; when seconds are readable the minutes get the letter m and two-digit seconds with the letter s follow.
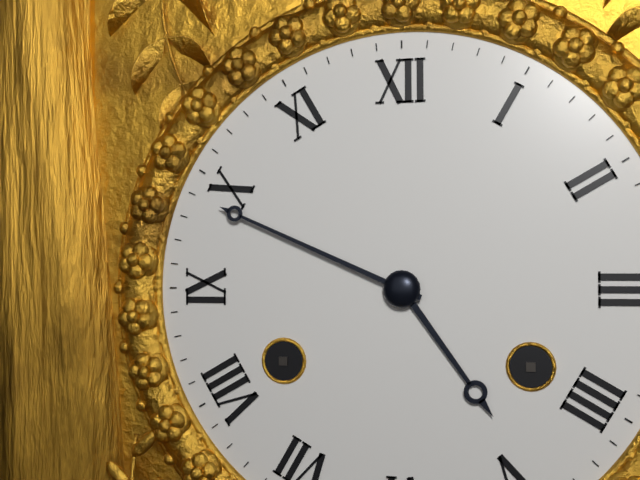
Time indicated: 4h49
